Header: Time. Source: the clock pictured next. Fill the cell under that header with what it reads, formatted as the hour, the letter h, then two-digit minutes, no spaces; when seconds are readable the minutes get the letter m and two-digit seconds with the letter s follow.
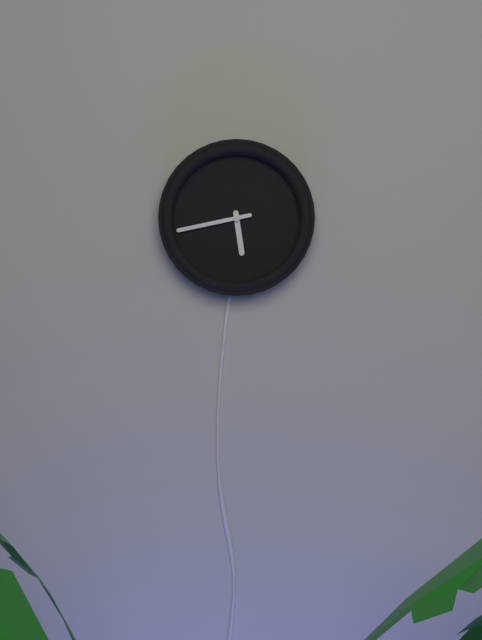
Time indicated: 5h43
